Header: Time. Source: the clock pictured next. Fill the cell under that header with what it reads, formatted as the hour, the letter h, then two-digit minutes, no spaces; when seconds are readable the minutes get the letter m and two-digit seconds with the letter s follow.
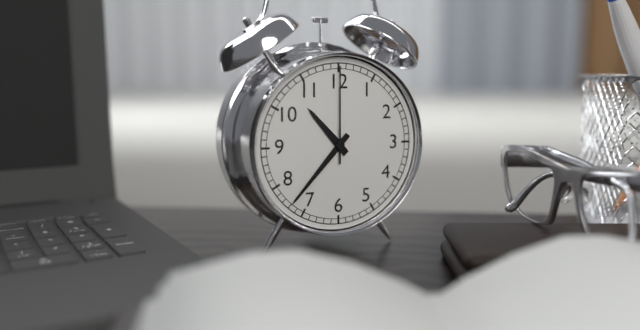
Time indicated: 10h37m00s
